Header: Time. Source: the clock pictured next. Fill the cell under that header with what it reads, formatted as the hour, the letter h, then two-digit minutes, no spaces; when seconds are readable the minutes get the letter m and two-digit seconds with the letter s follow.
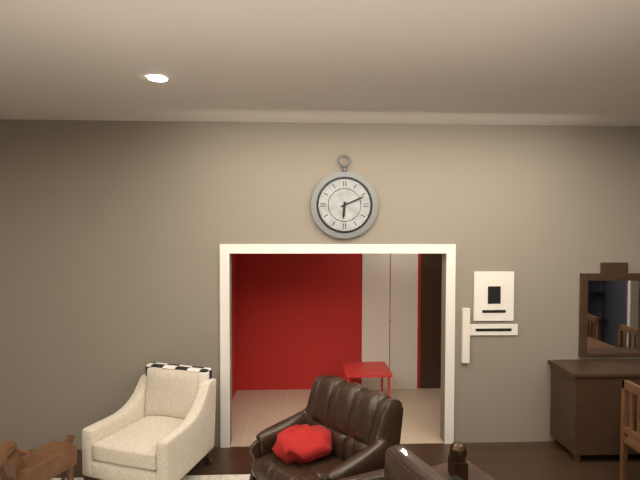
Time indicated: 6h11
